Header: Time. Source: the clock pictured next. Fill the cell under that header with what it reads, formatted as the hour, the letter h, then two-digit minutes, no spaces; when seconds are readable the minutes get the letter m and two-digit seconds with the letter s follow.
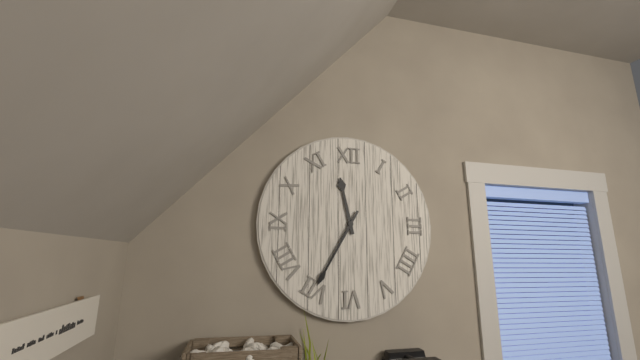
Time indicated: 11h35
